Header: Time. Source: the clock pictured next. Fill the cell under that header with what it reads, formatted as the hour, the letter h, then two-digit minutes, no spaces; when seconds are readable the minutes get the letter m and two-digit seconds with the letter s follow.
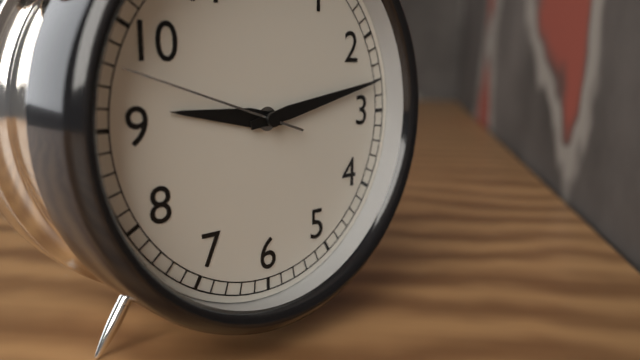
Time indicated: 9h13m48s
